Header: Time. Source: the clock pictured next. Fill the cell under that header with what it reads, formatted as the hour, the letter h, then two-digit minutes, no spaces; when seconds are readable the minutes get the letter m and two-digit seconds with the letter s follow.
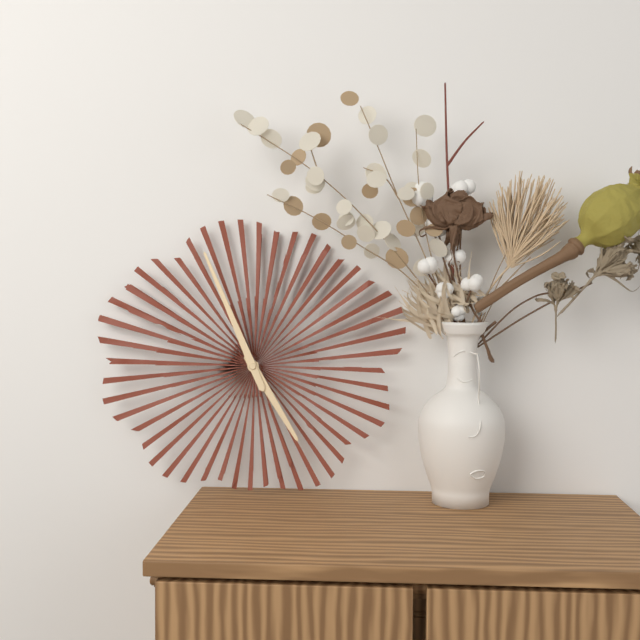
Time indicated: 4h56
